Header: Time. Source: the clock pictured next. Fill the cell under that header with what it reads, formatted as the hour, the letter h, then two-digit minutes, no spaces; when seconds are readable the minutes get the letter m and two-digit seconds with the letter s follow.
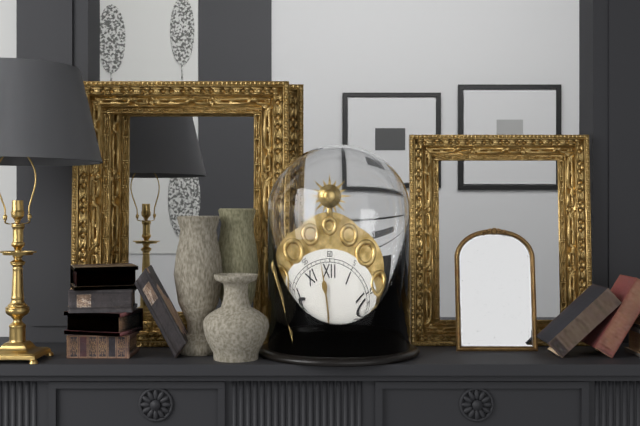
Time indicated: 9h58
